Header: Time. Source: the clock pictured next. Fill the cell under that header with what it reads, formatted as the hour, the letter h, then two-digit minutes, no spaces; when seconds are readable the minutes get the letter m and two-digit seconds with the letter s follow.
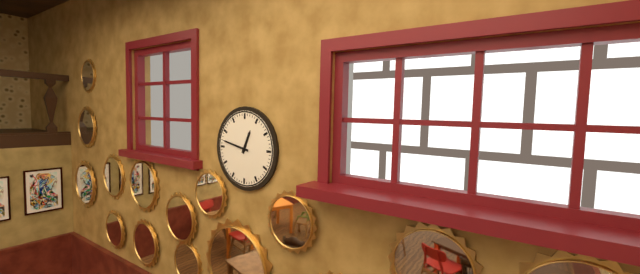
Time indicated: 12h47
